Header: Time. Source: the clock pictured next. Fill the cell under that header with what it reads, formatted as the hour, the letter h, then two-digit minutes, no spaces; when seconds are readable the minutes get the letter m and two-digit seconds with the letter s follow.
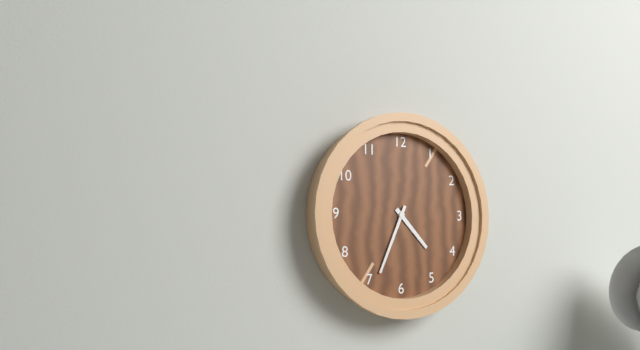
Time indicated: 4h34
